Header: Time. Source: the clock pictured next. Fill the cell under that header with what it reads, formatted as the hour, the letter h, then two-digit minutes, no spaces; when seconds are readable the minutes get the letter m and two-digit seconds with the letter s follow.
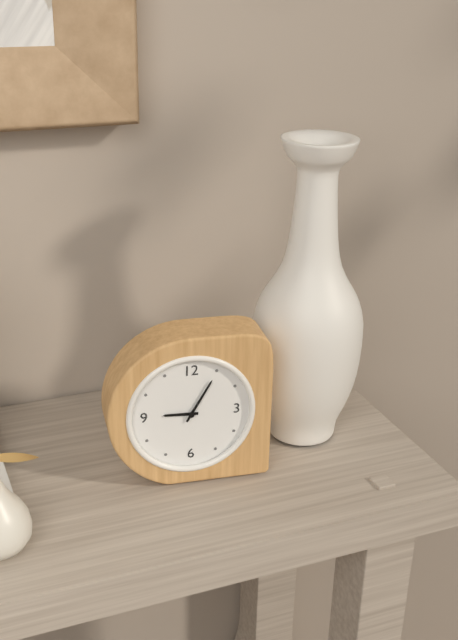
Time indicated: 9h05
